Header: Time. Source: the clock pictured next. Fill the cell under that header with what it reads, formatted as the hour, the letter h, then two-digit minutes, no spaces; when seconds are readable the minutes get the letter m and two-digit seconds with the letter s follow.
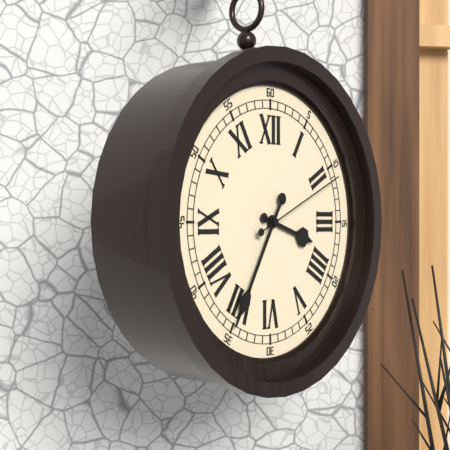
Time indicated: 3h35m11s
